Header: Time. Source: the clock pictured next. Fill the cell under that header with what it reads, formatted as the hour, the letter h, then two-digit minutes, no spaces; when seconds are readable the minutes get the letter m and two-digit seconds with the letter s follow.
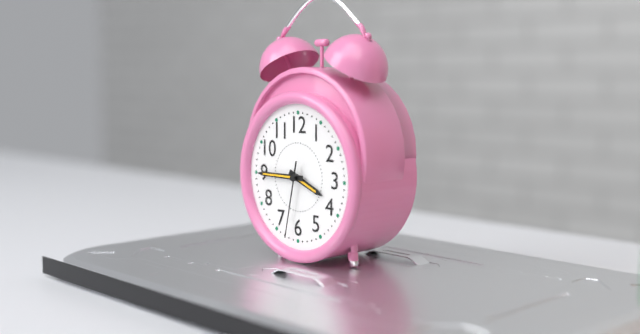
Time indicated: 3h45m32s
